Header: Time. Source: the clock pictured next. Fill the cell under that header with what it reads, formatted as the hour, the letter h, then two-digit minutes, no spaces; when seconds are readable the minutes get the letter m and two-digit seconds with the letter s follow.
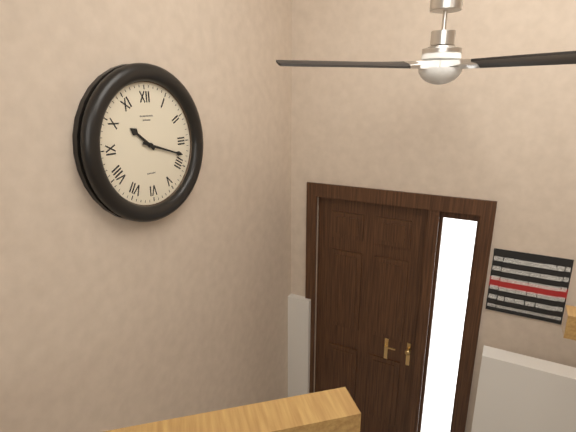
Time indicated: 10h18
